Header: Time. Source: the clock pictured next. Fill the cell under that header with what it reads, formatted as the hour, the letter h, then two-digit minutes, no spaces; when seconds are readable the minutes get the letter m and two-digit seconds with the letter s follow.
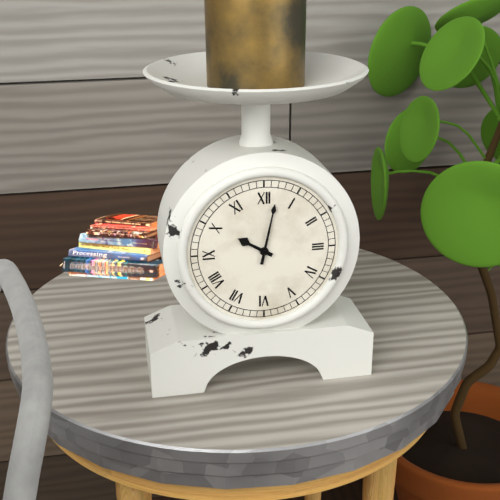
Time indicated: 10h02
